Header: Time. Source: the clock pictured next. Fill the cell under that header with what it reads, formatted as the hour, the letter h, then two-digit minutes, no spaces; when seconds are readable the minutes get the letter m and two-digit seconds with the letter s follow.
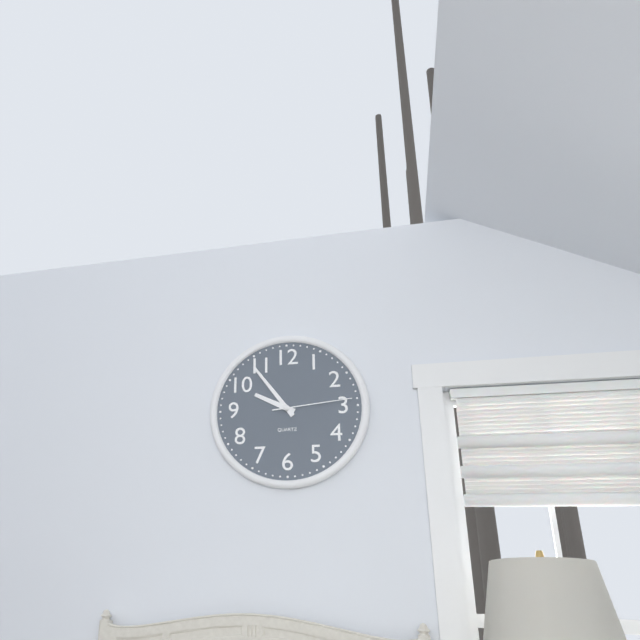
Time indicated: 9h54m14s
